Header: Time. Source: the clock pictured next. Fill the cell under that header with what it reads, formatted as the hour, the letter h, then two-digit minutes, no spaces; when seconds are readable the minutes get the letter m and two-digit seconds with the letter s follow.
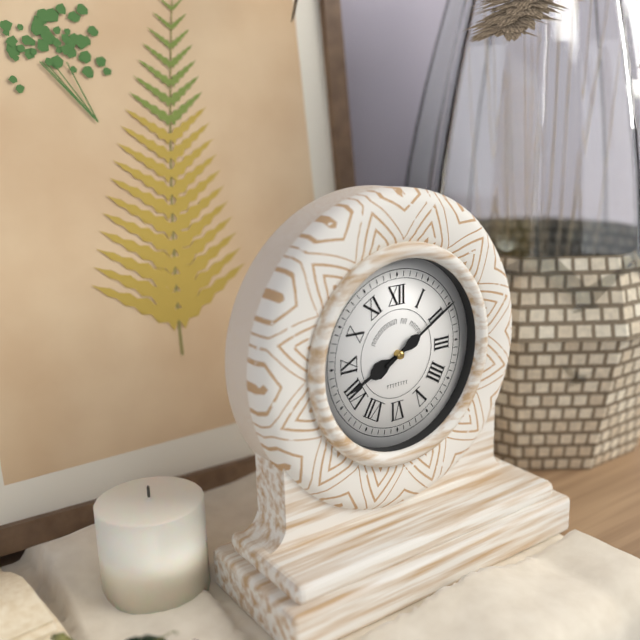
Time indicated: 8h10
